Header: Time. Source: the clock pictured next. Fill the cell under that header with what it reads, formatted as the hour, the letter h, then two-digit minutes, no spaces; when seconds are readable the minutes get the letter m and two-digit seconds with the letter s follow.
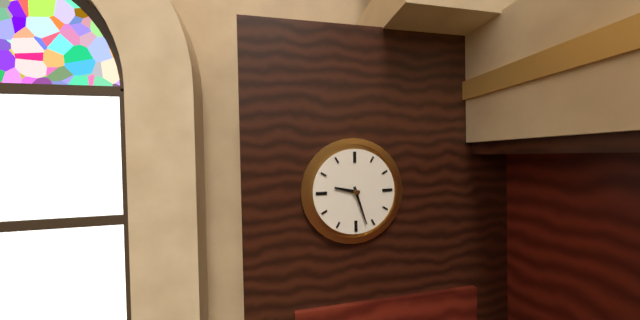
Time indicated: 9h27
